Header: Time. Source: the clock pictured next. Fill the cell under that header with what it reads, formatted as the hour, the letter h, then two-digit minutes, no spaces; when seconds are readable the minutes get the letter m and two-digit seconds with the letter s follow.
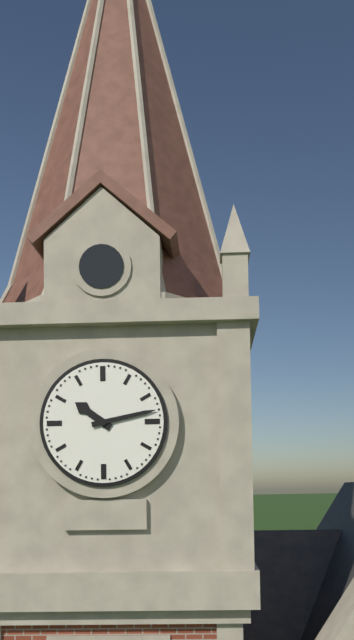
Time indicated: 10h13
